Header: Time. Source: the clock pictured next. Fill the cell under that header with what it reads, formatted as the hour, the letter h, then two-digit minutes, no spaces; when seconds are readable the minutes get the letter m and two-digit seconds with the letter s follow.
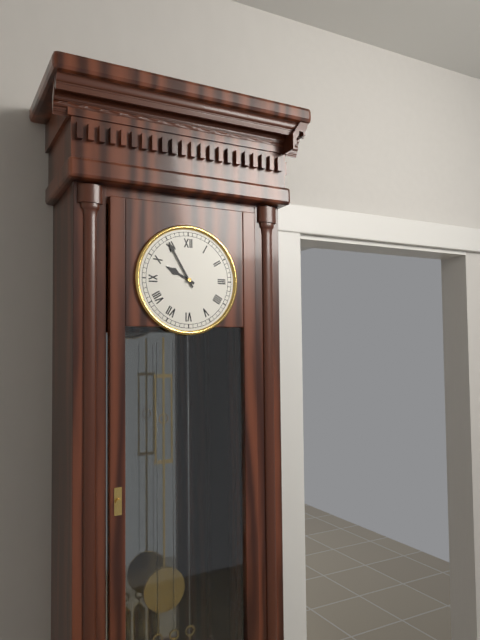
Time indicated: 9h55
